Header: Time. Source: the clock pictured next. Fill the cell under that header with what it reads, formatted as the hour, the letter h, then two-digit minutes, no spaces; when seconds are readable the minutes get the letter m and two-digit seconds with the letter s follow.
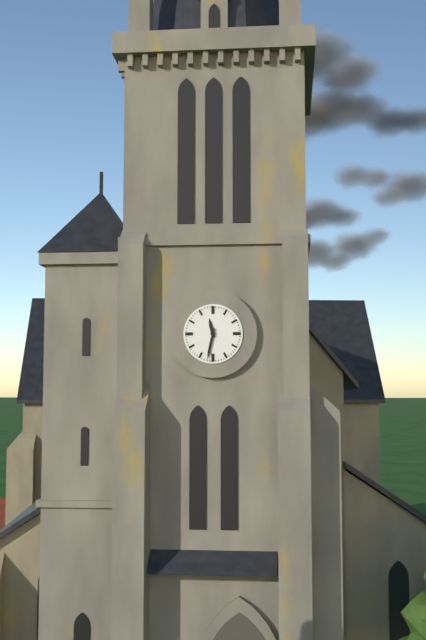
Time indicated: 11h32
